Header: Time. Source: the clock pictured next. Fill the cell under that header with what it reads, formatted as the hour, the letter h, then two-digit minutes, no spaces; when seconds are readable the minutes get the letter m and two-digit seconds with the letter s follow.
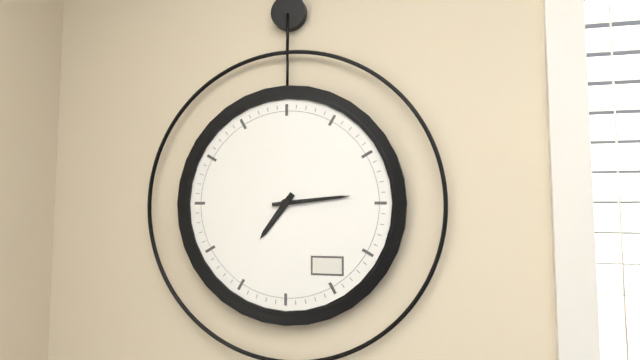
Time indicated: 7h14
